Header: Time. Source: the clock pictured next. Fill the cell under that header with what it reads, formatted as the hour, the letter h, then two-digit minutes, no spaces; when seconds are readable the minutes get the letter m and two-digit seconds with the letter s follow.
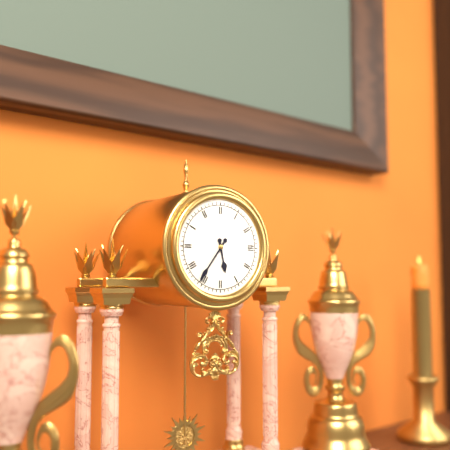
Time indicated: 5h36
